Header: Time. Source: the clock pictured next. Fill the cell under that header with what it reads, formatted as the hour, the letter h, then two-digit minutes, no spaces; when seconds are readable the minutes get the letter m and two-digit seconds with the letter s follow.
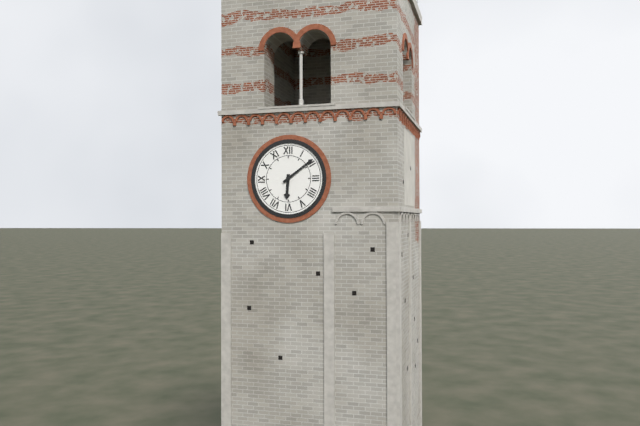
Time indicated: 6h09
